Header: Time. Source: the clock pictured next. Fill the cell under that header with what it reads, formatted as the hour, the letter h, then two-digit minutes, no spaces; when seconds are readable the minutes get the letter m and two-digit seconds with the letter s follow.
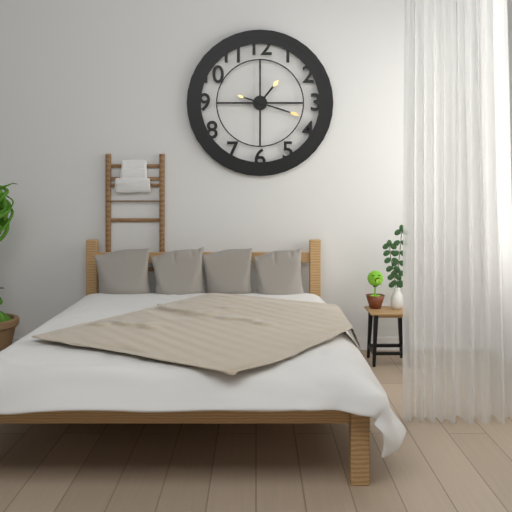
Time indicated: 1h18
